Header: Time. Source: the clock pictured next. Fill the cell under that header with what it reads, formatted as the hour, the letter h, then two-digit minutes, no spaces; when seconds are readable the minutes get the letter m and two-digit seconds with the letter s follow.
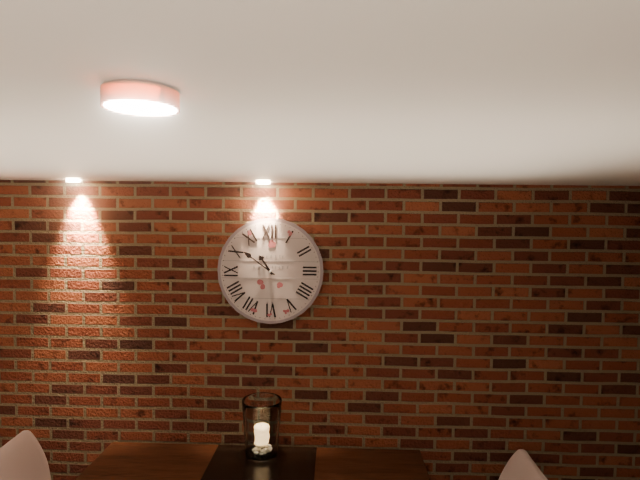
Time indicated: 10h51
